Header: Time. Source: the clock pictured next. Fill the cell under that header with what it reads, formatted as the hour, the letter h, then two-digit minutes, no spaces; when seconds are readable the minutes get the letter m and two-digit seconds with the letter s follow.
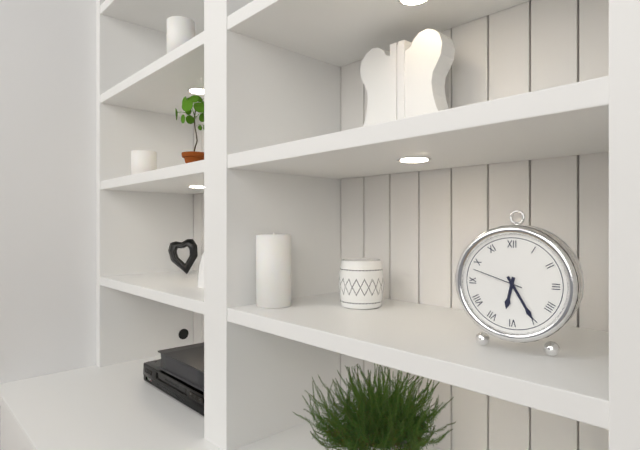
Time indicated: 6h25m48s
